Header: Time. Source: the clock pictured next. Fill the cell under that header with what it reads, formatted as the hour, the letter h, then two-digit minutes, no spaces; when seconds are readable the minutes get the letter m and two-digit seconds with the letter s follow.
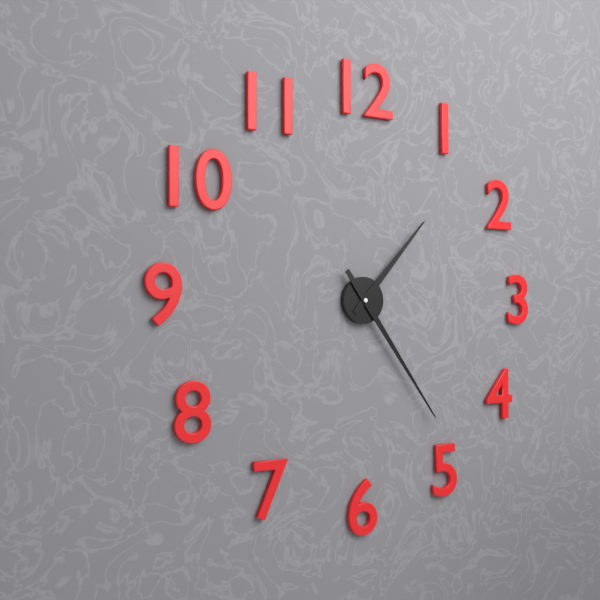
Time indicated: 1h24
